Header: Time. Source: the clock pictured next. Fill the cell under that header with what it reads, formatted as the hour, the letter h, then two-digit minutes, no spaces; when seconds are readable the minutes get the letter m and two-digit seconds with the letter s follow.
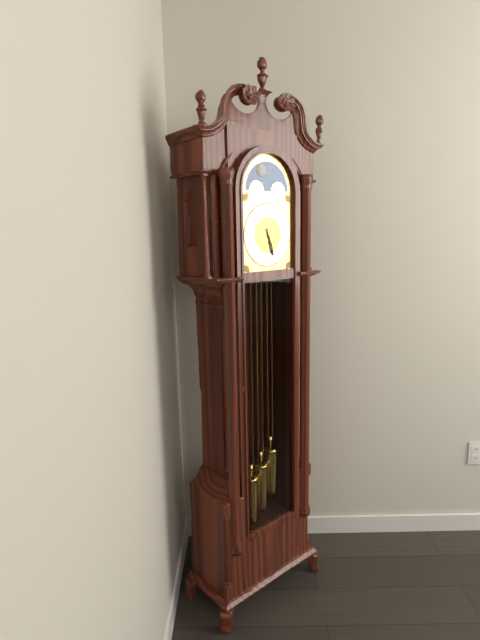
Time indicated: 5h27
